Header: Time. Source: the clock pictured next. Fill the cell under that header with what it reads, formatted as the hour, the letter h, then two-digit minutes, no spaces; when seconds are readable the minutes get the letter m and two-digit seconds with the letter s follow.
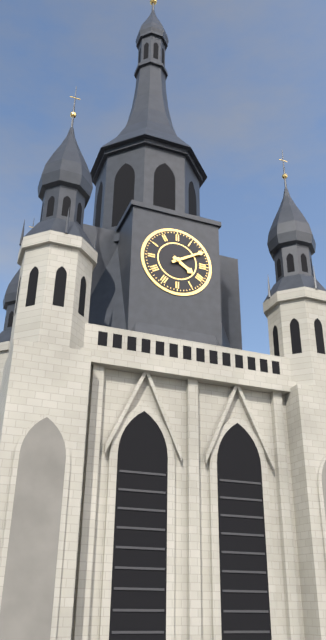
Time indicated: 4h10
